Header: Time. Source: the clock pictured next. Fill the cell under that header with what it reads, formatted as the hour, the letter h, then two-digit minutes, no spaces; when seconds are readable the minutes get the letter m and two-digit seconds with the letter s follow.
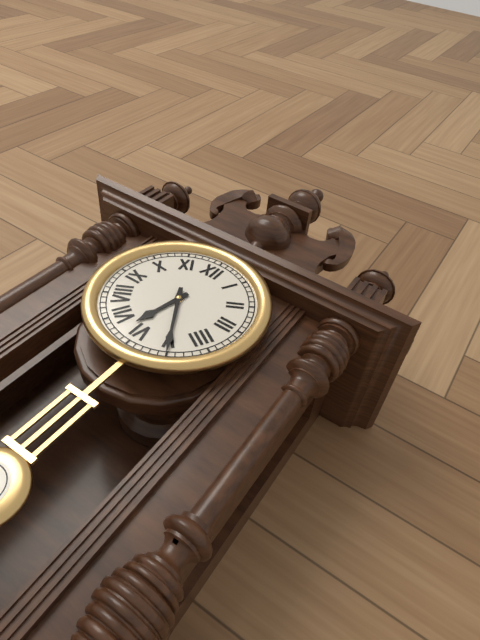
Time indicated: 6h25
